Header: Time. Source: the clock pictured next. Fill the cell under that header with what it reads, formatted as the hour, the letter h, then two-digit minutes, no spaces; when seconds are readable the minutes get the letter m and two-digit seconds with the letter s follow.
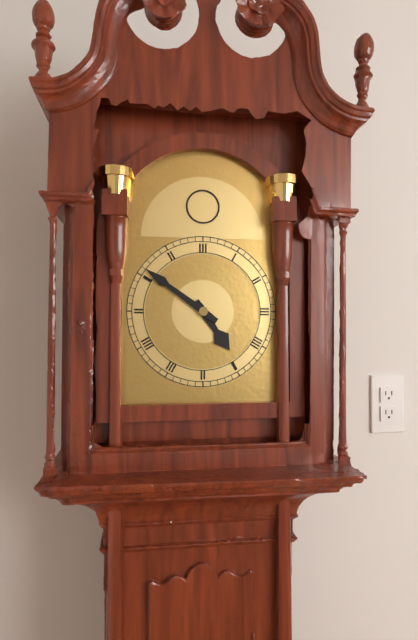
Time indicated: 4h51
